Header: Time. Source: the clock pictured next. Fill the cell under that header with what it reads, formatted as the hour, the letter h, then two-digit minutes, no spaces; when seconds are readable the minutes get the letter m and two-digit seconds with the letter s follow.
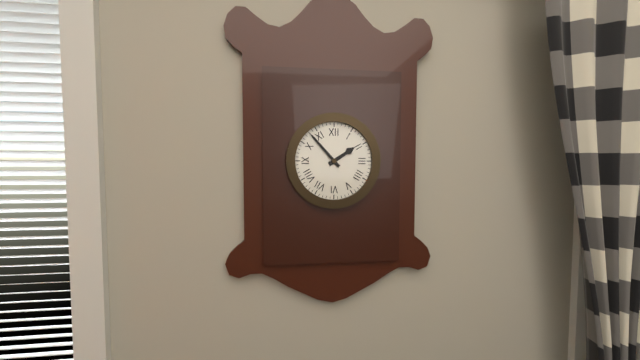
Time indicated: 1h53
